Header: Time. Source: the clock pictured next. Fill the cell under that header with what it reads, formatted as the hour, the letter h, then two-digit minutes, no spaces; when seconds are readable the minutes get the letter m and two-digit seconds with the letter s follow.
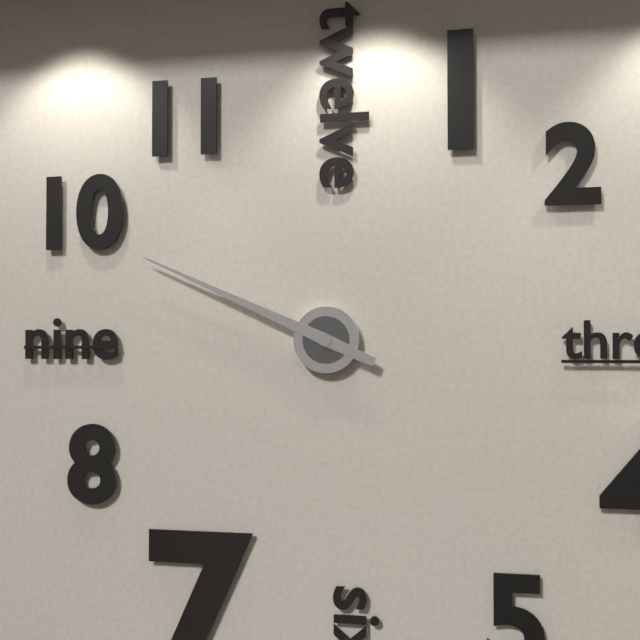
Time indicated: 9h49
